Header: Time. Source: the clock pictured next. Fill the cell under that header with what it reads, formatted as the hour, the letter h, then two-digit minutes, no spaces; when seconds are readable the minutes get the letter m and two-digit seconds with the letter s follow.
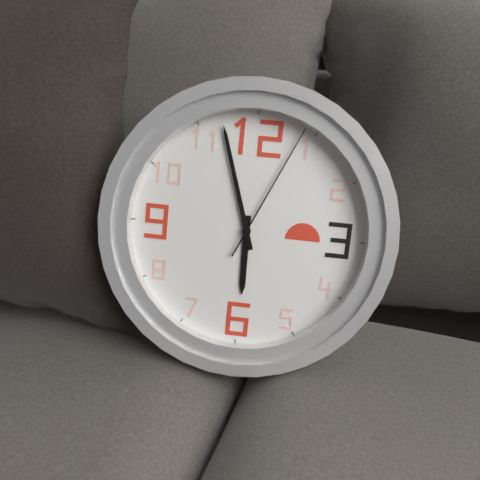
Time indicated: 5h57m04s
